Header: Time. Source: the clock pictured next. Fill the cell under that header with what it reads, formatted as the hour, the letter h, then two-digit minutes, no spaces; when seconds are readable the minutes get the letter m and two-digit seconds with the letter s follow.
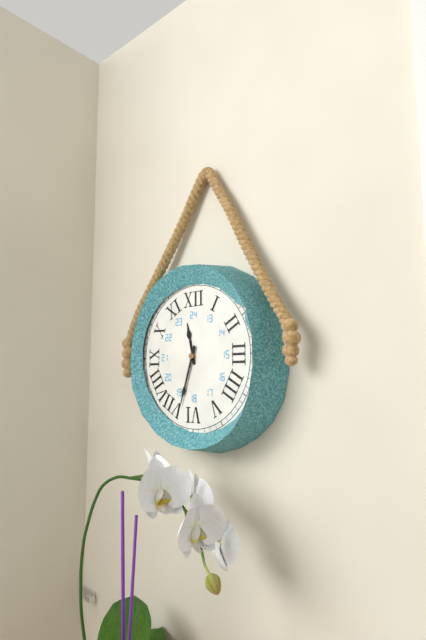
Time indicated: 11h33
